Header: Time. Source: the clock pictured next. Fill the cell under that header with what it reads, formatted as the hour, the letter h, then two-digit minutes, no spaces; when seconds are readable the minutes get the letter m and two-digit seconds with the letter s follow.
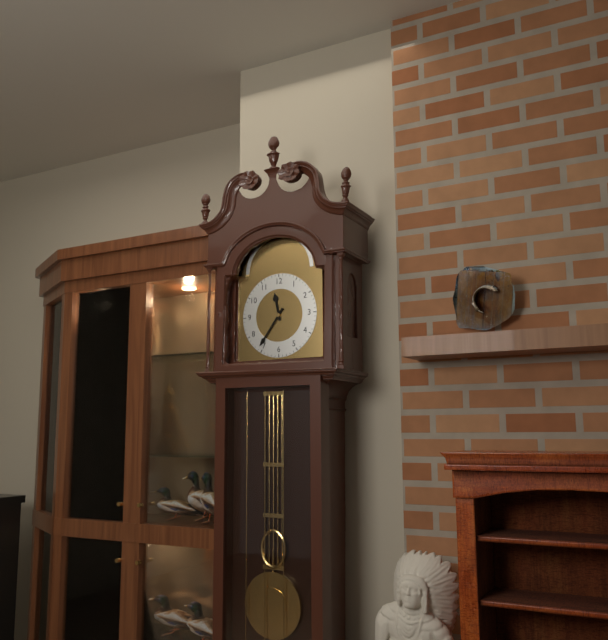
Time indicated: 11h36
